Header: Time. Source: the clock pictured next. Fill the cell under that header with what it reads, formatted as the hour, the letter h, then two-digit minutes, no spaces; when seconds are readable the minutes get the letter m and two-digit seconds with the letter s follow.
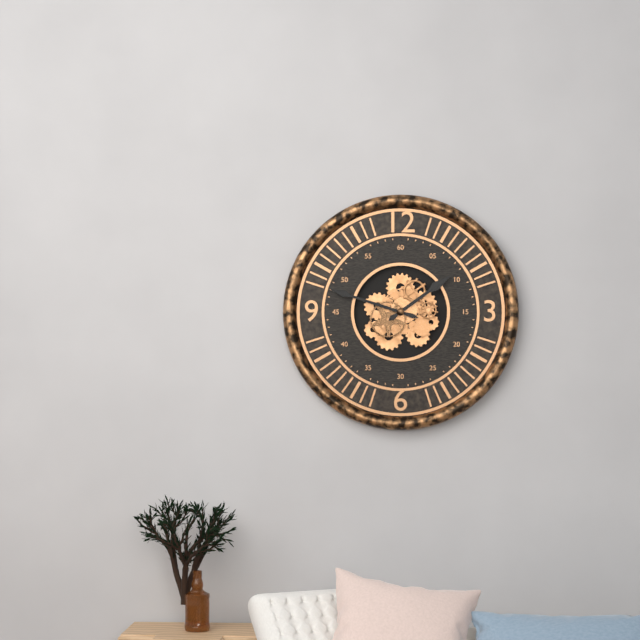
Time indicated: 1h48
